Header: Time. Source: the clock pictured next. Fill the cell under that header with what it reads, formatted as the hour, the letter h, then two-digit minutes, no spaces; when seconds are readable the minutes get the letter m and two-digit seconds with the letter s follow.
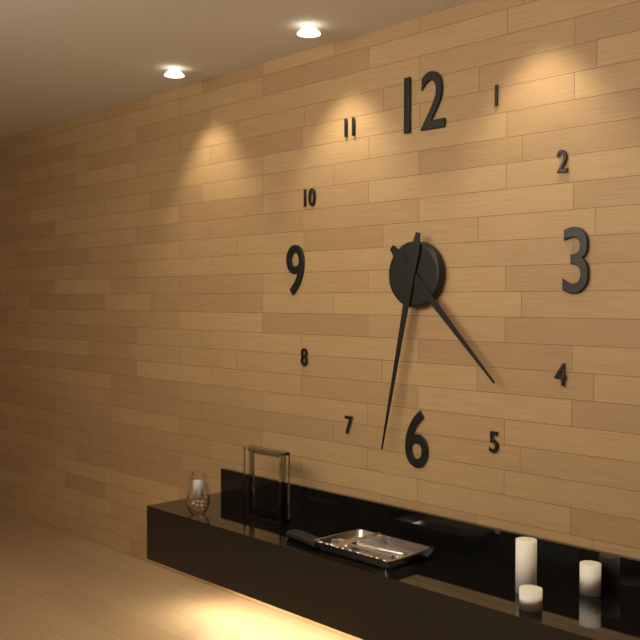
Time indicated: 4h32
